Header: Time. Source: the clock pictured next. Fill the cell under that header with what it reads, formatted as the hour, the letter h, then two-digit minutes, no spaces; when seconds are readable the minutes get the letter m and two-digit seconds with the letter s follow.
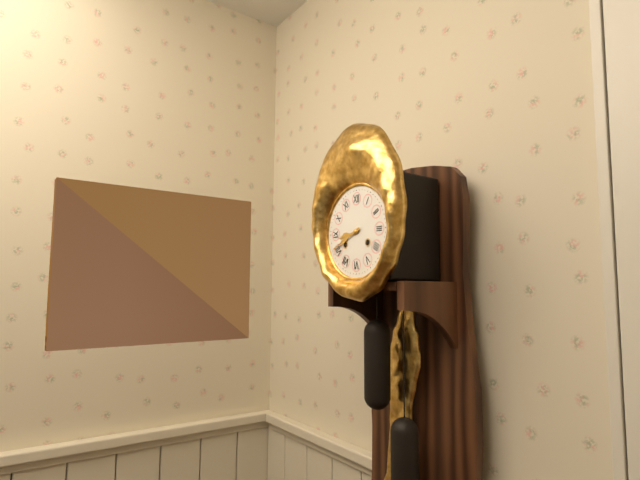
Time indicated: 8h41
